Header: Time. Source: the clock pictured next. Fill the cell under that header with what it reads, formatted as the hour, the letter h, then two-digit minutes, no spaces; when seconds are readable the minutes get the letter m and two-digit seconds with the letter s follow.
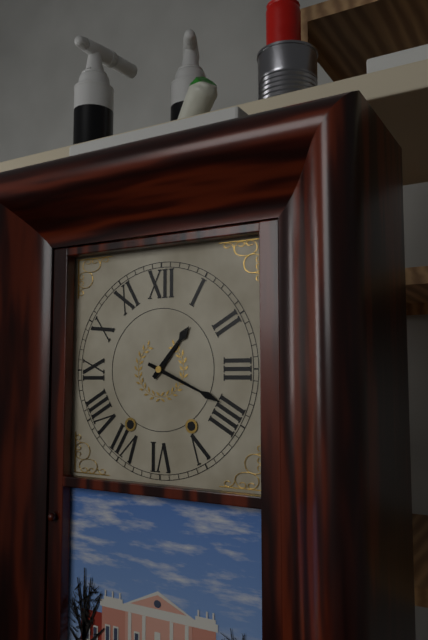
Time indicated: 1h19
